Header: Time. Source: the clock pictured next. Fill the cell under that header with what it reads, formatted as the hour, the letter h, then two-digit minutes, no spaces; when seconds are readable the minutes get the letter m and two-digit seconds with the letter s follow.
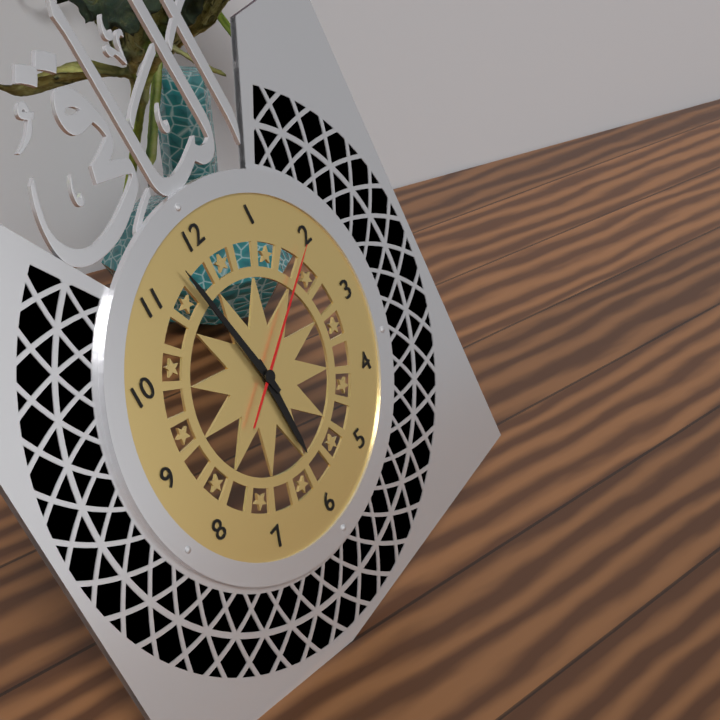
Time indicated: 5h58m10s
